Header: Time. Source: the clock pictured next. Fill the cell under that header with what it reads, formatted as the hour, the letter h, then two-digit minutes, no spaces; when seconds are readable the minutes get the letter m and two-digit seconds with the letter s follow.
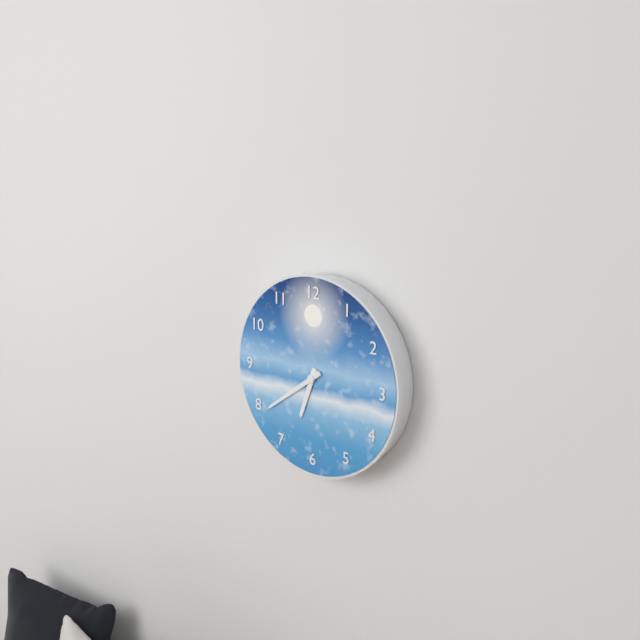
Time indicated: 6h39
